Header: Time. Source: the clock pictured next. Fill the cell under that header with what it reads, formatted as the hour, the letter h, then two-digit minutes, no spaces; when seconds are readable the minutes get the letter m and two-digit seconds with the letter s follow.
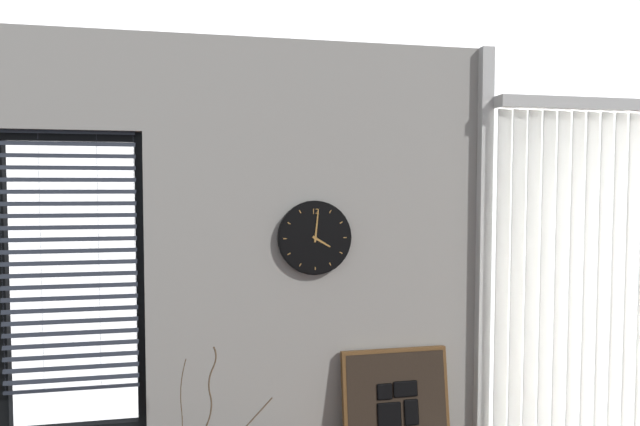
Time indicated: 4h01
